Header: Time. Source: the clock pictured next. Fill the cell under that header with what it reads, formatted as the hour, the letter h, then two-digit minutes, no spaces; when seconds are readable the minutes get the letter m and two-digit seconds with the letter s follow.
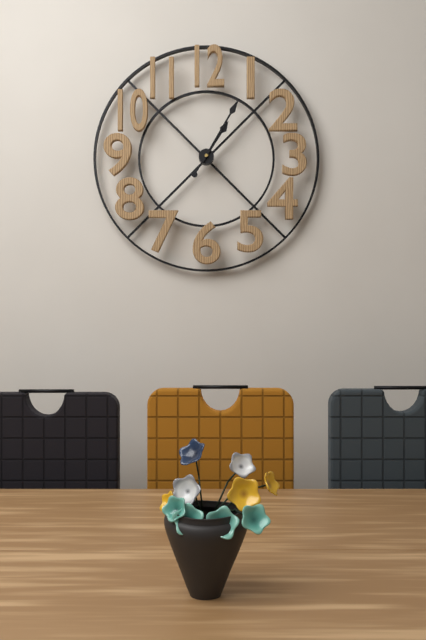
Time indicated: 1h05
